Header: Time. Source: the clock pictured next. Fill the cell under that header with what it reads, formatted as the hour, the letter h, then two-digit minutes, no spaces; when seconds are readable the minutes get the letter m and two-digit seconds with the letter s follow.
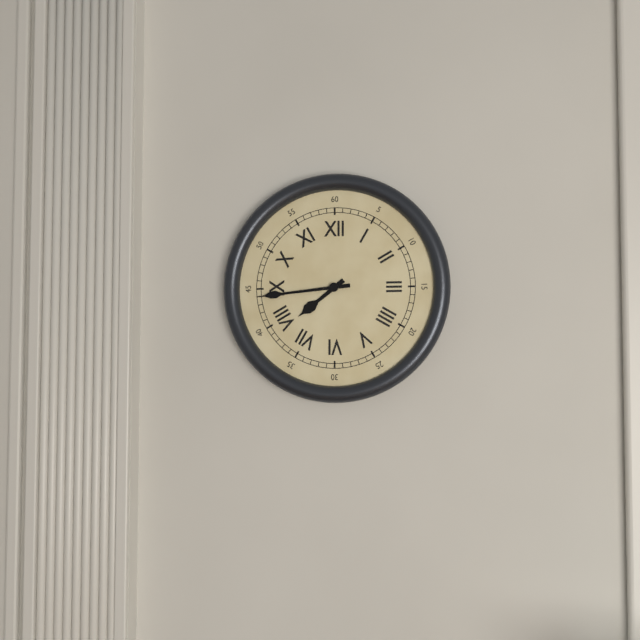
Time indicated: 7h44
